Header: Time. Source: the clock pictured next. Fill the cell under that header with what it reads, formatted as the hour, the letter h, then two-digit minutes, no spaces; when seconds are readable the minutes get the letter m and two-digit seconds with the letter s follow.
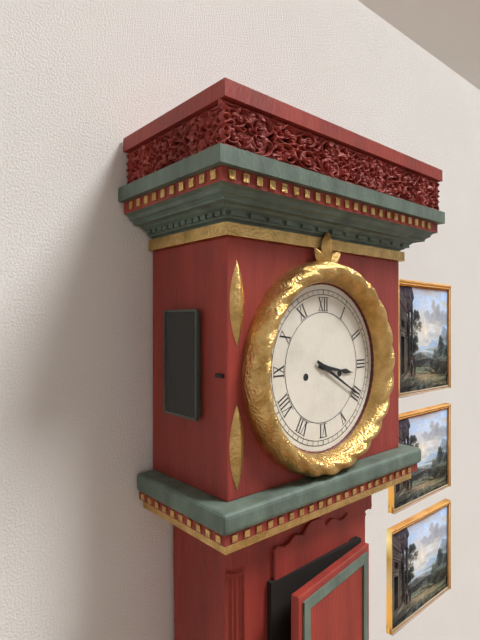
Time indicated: 3h20
